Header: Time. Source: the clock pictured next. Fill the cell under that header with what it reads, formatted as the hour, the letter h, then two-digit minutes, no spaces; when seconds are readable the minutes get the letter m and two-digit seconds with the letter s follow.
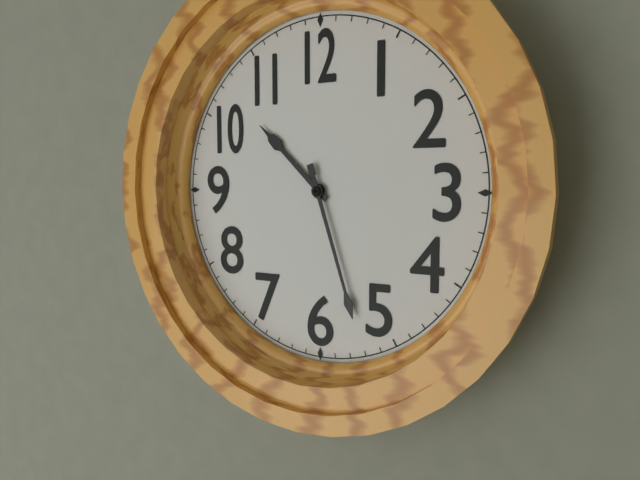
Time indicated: 10h27
